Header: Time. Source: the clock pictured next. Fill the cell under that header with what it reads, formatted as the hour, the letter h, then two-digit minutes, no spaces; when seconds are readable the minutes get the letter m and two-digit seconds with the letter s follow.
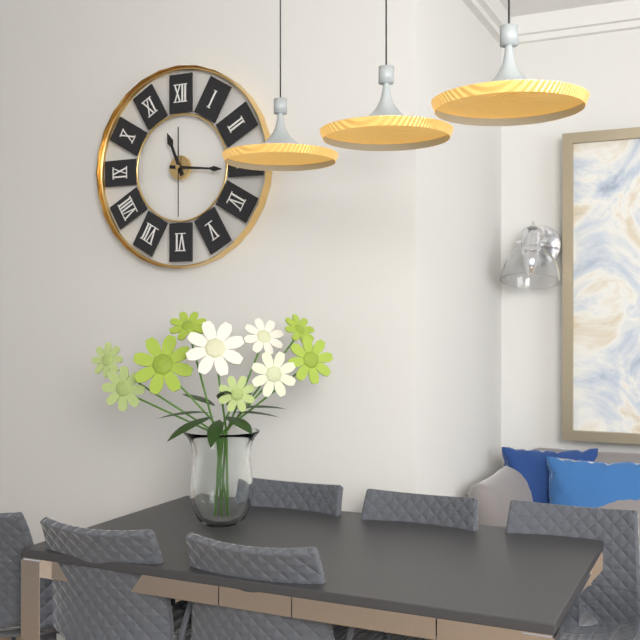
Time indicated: 11h16m30s
